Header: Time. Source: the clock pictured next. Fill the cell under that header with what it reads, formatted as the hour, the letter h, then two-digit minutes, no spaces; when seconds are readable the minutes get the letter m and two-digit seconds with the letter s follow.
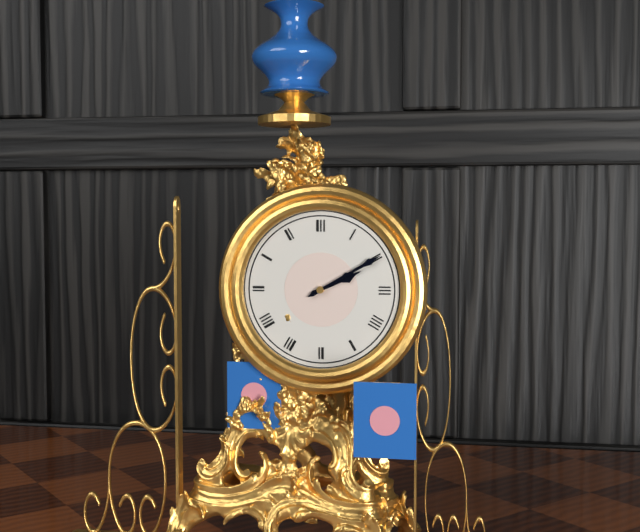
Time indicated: 2h10
